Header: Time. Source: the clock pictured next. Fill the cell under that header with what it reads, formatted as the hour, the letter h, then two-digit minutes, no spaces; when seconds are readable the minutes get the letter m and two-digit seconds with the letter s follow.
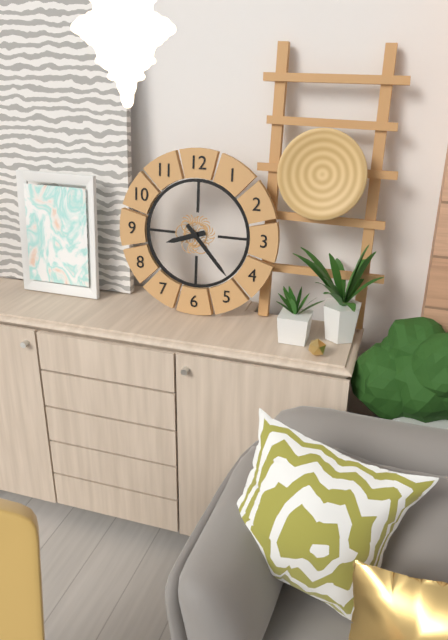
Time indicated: 8h23
